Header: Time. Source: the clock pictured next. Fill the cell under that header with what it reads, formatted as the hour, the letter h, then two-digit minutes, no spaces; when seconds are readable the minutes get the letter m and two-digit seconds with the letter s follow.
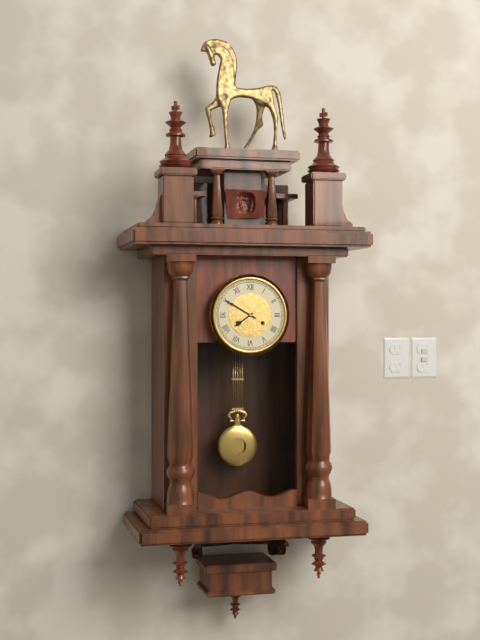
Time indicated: 7h50
